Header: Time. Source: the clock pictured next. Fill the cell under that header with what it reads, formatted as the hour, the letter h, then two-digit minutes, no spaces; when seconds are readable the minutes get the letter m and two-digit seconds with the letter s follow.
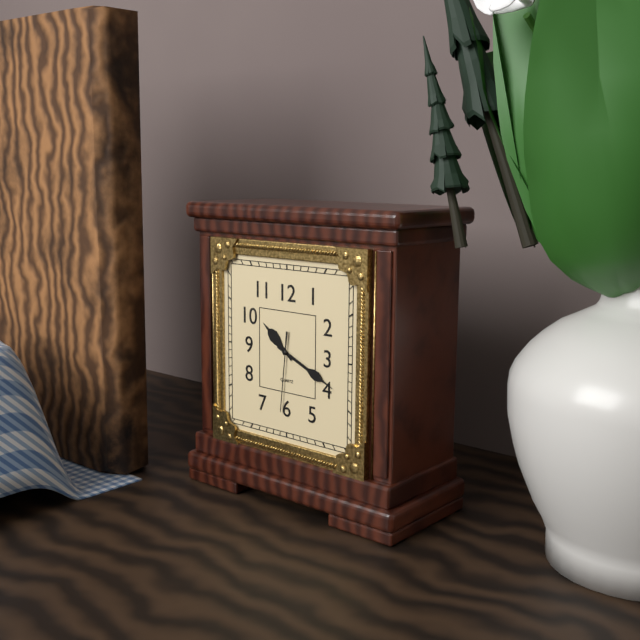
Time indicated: 10h19m31s
